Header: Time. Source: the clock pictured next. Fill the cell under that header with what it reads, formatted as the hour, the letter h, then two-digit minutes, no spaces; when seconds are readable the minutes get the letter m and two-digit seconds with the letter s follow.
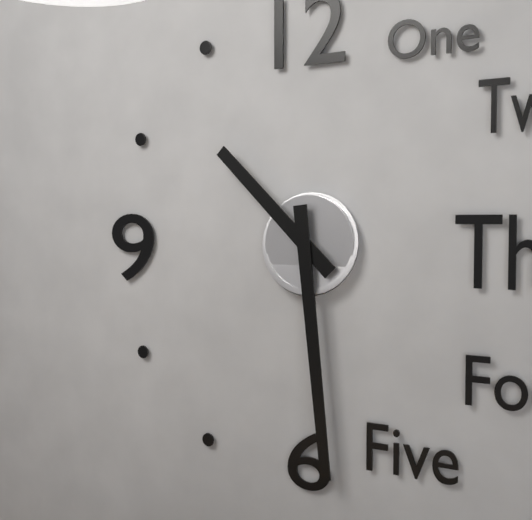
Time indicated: 10h29
